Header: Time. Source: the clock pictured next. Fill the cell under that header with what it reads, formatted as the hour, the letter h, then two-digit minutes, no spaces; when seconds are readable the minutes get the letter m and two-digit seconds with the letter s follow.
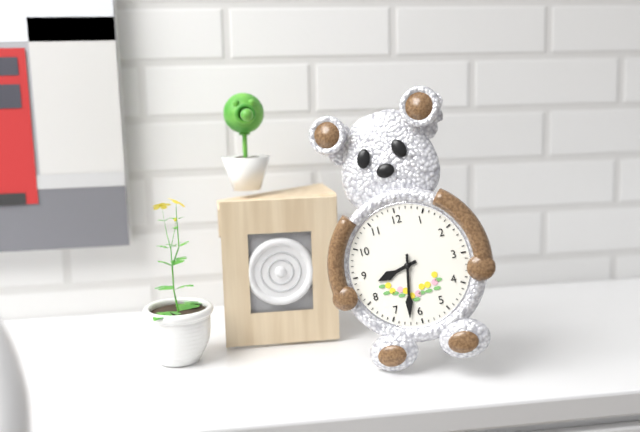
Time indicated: 8h32
